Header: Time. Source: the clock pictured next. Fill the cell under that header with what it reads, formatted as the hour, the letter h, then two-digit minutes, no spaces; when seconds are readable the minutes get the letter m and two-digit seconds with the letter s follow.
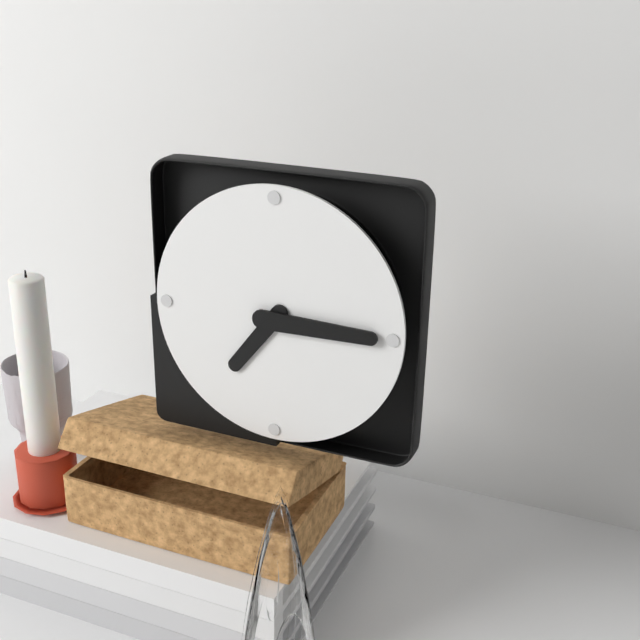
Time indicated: 7h15
